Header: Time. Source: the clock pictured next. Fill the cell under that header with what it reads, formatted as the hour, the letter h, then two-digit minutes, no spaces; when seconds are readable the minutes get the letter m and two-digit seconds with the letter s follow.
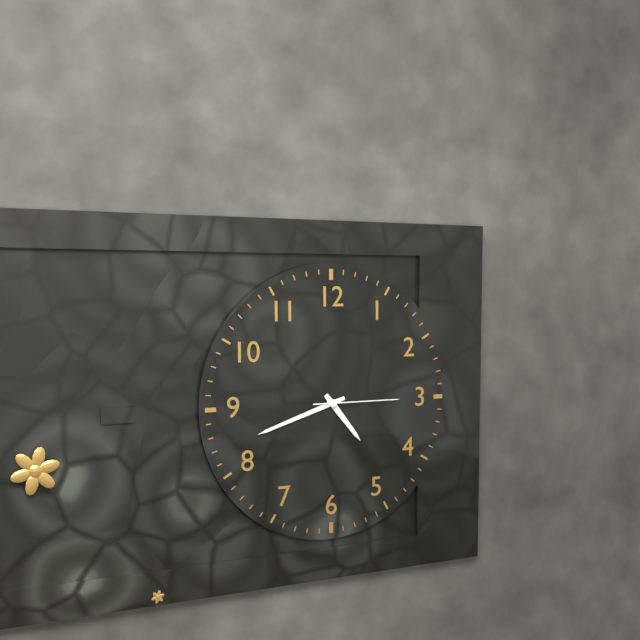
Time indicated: 4h42m15s
